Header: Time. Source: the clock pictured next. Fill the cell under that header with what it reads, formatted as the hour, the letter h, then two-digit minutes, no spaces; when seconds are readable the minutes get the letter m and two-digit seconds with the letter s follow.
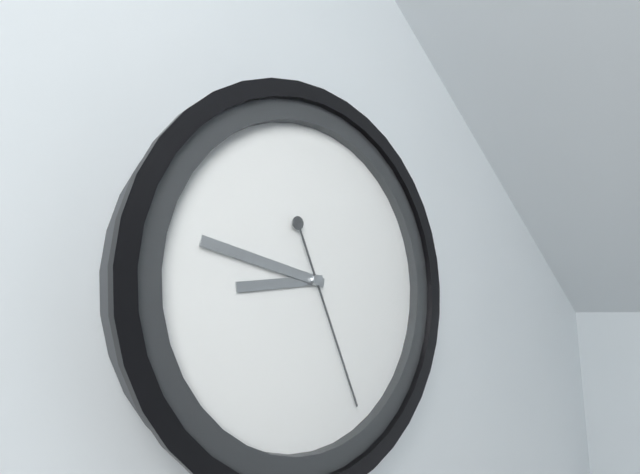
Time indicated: 8h47m26s
